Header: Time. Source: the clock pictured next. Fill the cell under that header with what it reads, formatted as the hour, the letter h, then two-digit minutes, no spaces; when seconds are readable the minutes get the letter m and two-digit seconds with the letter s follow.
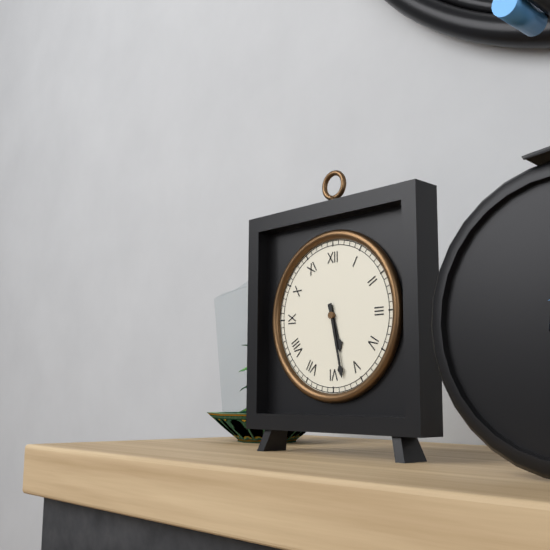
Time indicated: 5h28
